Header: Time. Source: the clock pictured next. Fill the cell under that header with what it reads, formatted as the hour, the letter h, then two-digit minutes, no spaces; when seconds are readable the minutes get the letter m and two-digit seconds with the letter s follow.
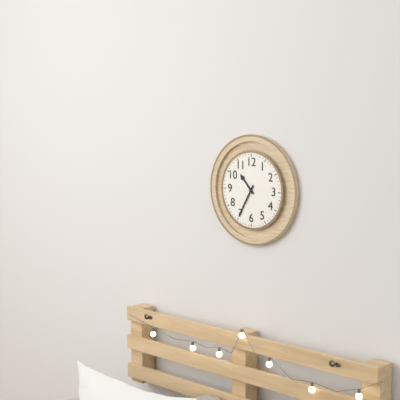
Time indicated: 10h35
